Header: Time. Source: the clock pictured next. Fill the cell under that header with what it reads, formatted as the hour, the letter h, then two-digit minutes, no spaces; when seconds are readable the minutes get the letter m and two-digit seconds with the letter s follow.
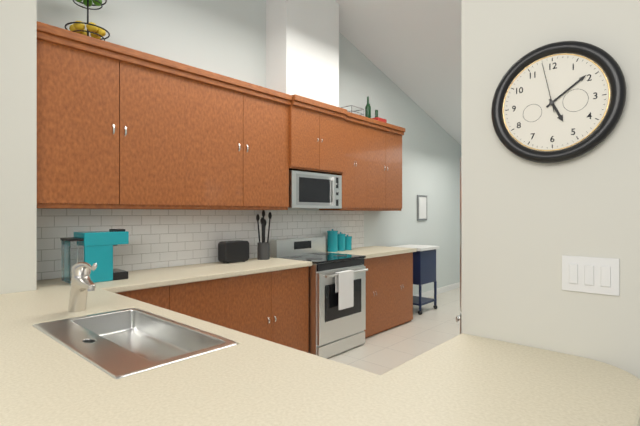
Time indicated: 5h09m58s
